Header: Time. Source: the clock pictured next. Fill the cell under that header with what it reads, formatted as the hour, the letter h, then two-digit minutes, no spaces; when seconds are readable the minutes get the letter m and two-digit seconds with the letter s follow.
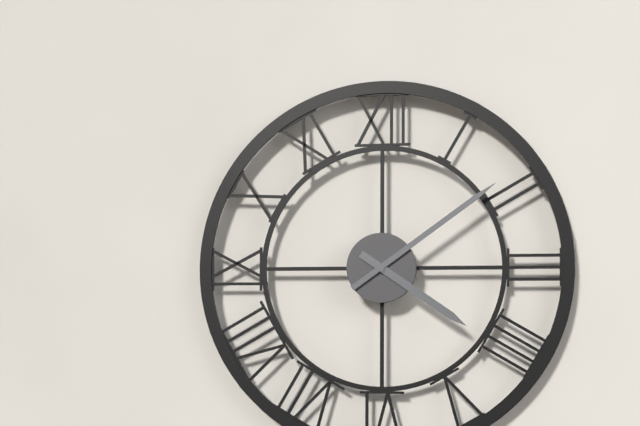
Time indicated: 4h09
